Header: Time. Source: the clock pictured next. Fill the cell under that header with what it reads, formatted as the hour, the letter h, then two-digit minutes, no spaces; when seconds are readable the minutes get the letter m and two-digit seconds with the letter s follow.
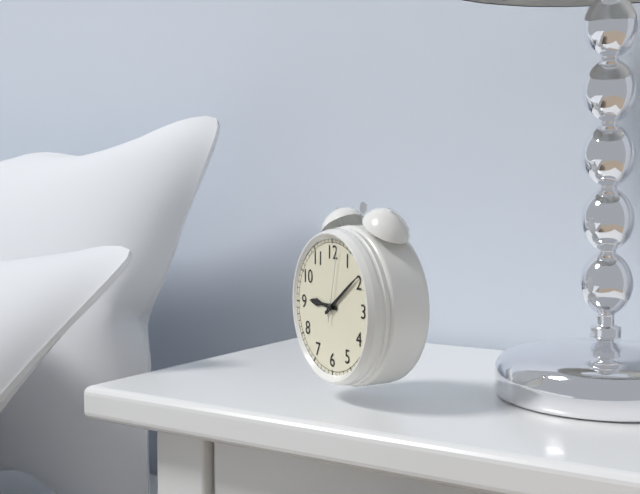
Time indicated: 9h09m02s
